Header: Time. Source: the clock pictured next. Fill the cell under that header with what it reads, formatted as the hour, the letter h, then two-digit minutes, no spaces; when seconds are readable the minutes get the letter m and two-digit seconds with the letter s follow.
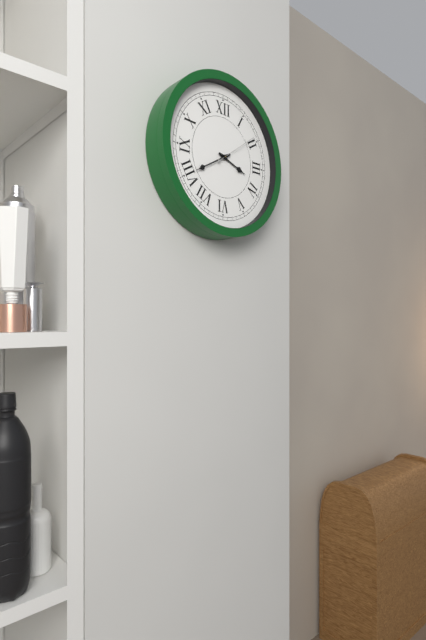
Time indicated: 3h40
